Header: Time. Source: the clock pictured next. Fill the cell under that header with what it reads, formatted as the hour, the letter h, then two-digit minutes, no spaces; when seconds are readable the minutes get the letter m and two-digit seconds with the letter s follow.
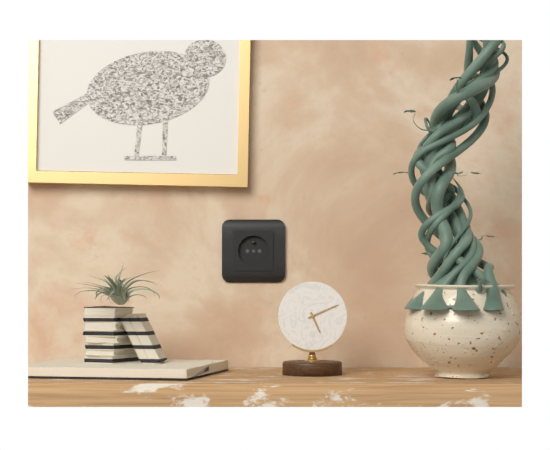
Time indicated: 5h11
